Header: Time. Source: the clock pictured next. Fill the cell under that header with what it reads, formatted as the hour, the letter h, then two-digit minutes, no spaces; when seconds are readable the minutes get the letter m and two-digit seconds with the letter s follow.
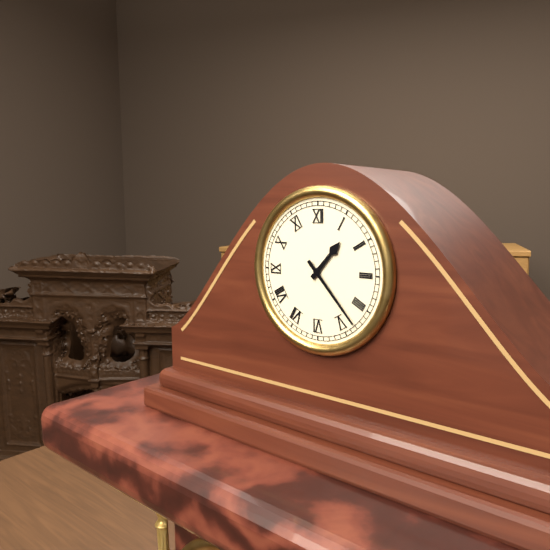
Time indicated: 1h23
